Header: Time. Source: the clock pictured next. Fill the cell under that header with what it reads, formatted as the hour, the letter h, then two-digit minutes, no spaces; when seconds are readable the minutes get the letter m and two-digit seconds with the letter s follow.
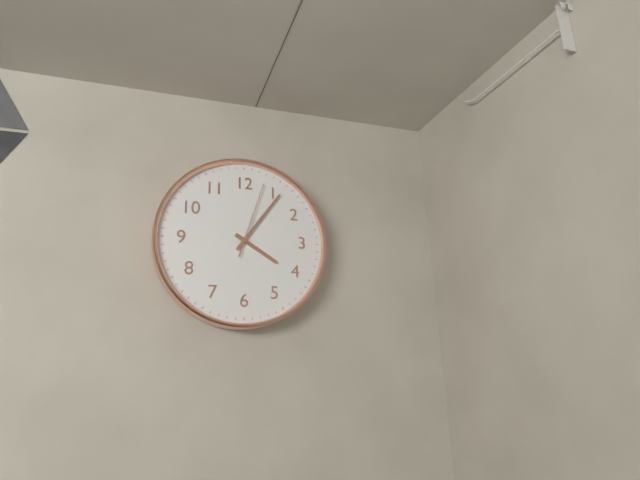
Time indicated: 4h06m03s
